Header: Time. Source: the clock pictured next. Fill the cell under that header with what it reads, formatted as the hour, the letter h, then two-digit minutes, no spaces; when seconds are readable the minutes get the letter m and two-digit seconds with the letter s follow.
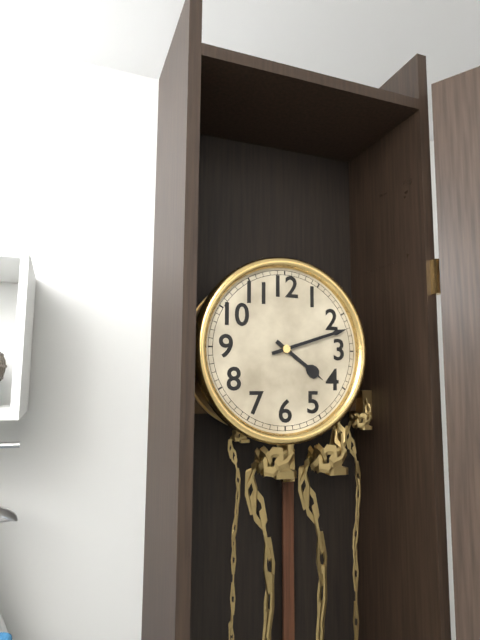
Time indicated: 4h12
